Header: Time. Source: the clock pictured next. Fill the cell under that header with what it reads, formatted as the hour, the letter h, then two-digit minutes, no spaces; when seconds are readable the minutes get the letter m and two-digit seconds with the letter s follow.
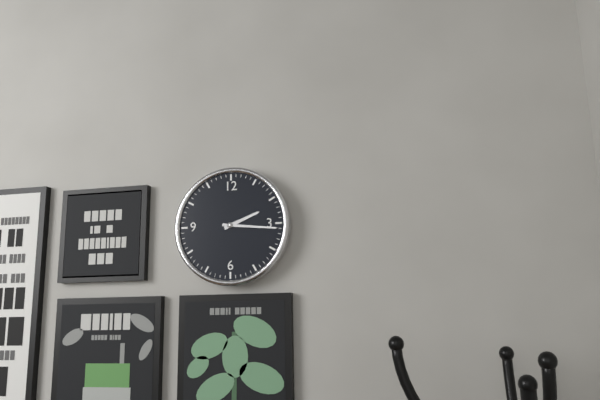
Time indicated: 2h16
